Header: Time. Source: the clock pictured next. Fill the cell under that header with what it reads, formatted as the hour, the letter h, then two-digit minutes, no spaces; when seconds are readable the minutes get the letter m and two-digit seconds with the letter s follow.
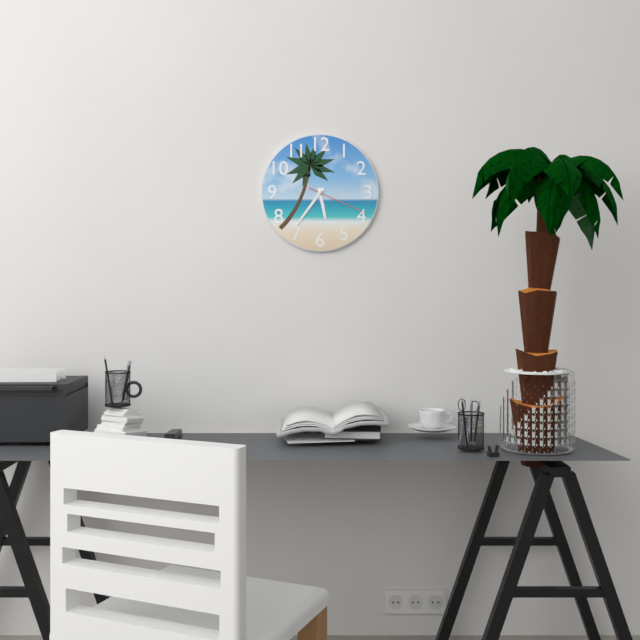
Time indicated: 5h36m19s
